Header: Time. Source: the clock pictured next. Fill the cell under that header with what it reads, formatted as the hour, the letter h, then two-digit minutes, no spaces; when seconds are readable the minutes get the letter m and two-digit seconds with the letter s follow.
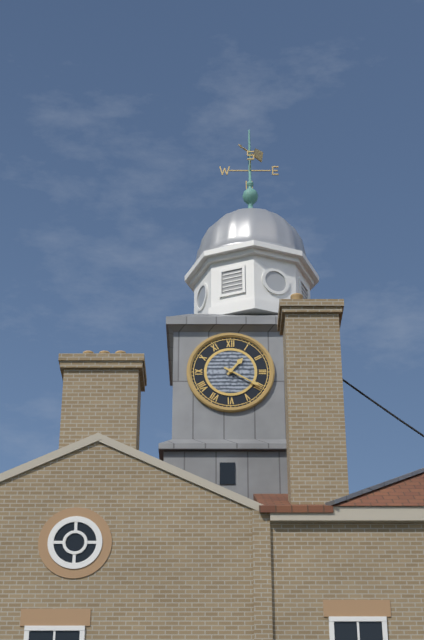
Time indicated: 1h20
